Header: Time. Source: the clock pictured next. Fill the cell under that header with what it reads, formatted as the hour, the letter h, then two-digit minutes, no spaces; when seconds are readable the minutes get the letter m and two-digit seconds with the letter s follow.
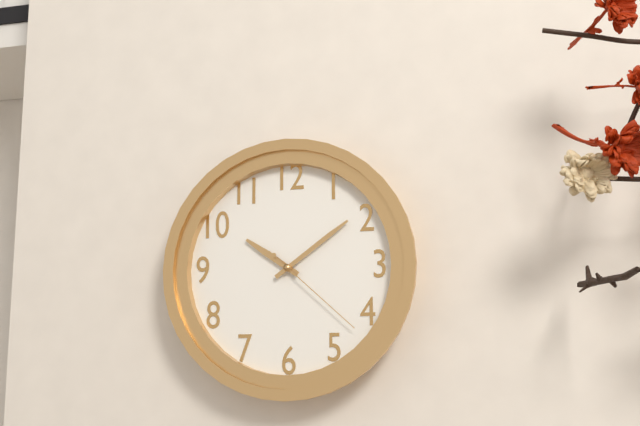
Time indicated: 10h09m22s
